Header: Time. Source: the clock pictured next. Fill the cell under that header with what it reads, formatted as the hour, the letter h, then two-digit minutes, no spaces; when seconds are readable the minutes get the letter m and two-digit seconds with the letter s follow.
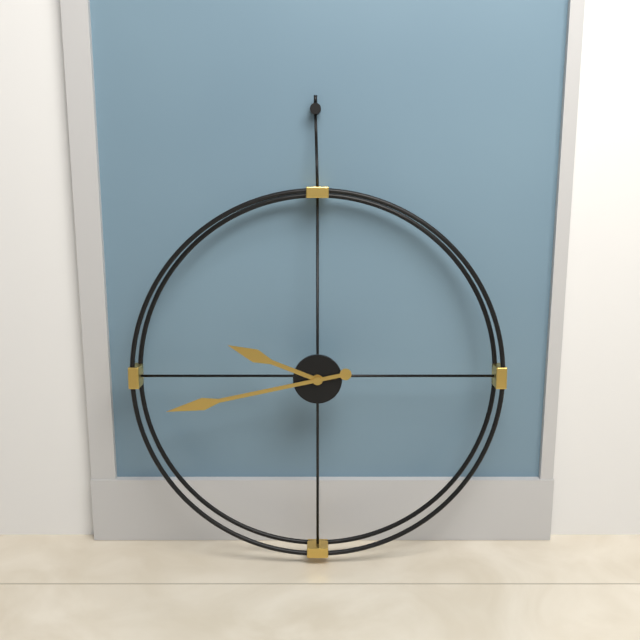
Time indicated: 9h43
